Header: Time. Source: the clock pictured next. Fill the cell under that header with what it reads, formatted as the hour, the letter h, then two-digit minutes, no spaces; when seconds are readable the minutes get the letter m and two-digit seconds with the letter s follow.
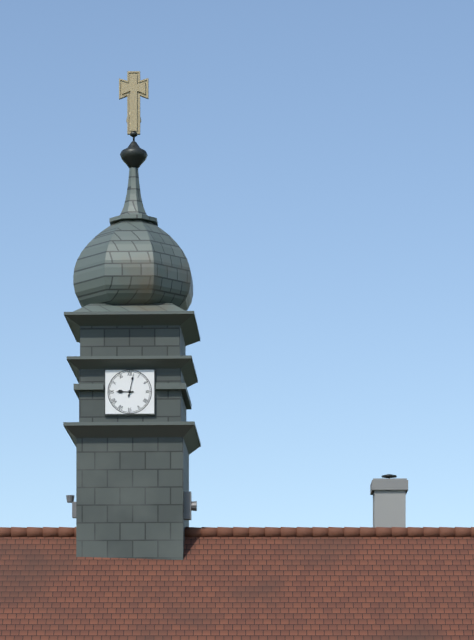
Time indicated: 9h02
